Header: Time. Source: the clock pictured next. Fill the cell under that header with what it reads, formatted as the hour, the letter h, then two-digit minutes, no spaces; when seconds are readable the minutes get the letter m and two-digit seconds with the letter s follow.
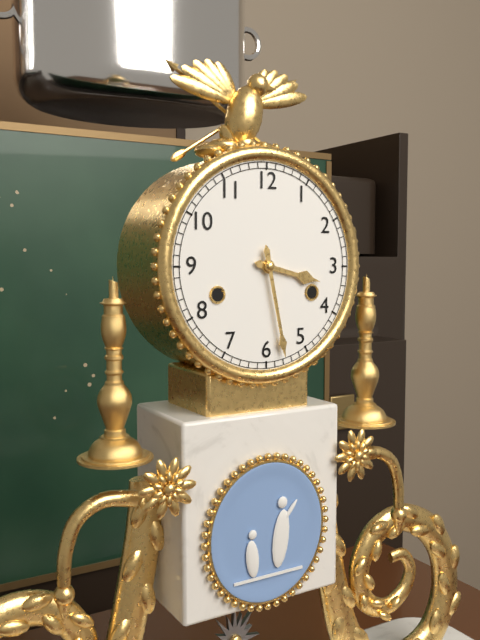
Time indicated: 3h28
